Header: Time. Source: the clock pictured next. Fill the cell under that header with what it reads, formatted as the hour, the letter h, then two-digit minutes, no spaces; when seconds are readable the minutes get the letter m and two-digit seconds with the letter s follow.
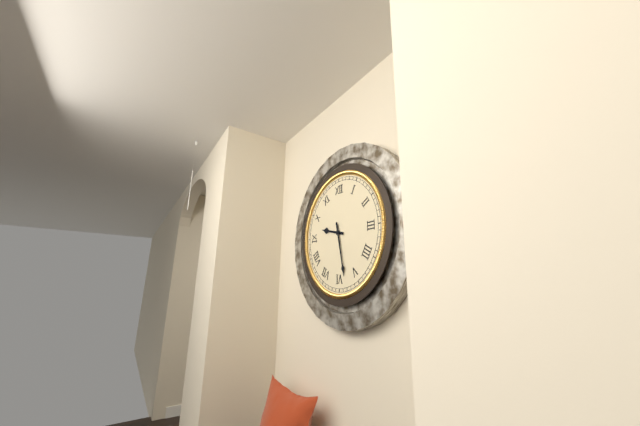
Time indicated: 9h28
